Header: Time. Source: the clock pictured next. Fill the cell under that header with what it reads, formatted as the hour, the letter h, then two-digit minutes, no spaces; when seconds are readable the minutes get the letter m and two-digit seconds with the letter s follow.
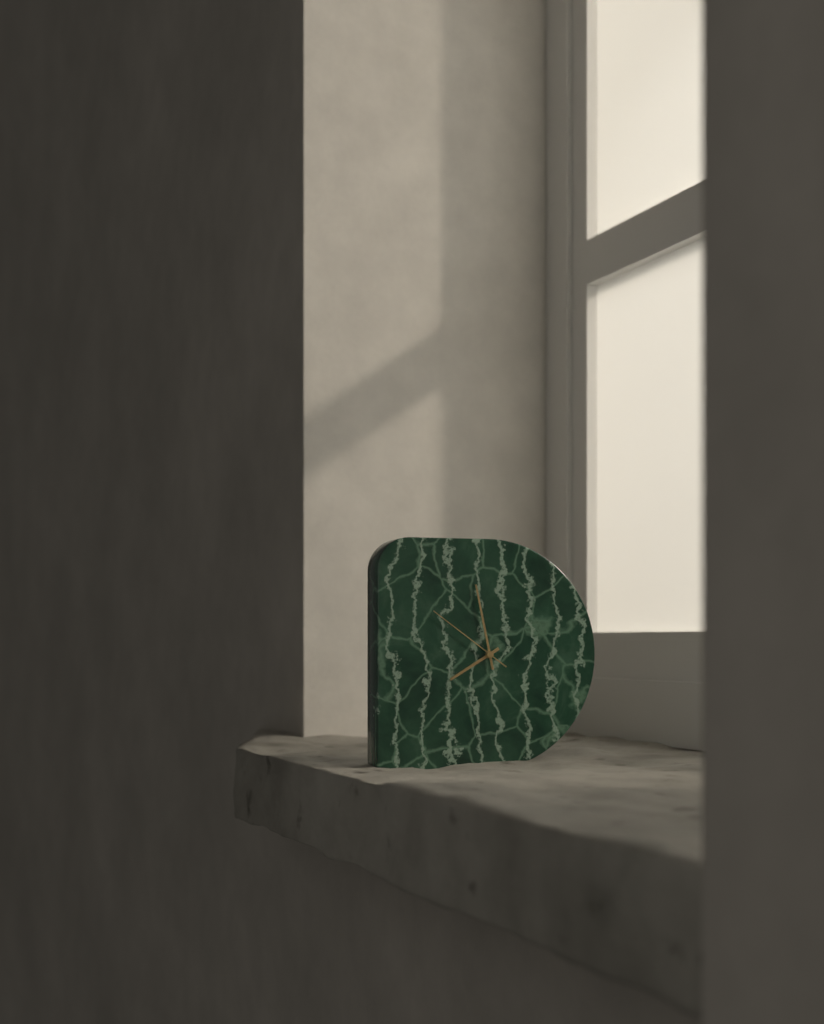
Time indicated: 7h58m51s
